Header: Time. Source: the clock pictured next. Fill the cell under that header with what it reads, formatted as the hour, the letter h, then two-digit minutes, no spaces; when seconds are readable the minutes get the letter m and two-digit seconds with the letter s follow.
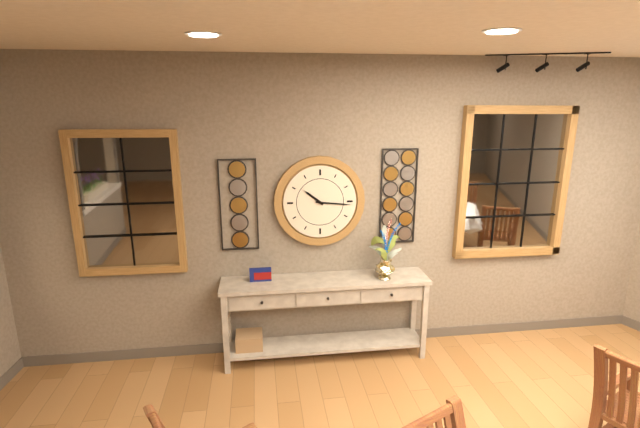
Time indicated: 10h16
